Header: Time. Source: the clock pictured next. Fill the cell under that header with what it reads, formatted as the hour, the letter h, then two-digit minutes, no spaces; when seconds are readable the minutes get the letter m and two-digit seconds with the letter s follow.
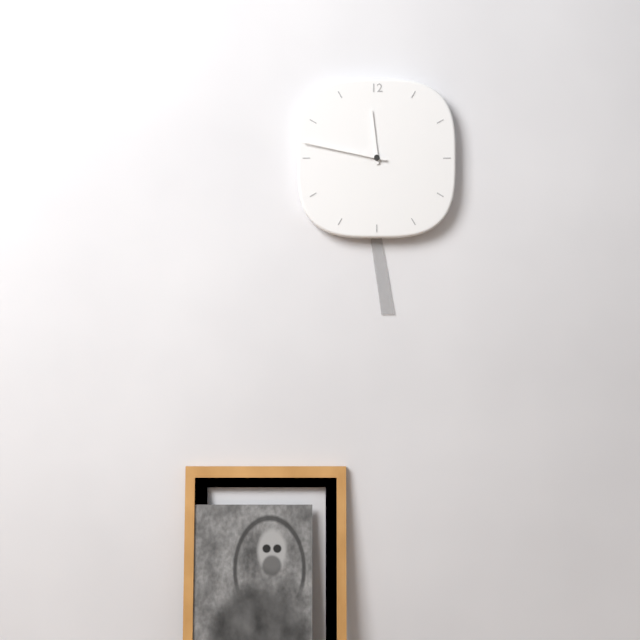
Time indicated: 11h47
